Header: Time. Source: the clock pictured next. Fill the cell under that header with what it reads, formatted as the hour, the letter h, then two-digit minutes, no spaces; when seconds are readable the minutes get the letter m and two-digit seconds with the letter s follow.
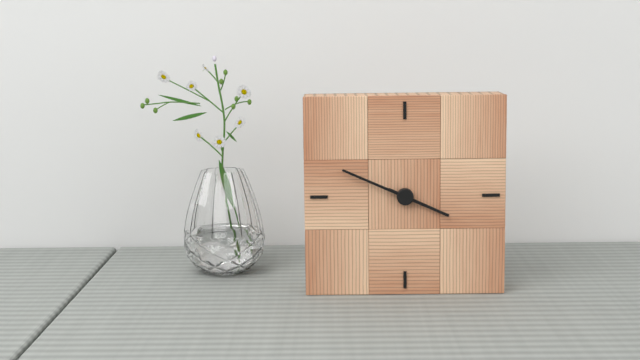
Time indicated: 3h49
